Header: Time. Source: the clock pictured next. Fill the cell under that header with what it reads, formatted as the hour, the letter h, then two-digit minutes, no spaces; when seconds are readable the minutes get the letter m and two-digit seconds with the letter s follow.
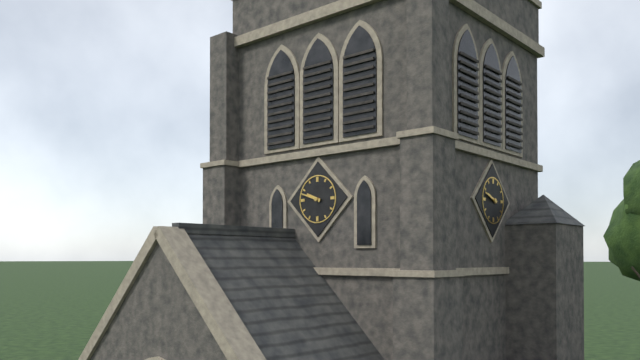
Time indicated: 9h48
